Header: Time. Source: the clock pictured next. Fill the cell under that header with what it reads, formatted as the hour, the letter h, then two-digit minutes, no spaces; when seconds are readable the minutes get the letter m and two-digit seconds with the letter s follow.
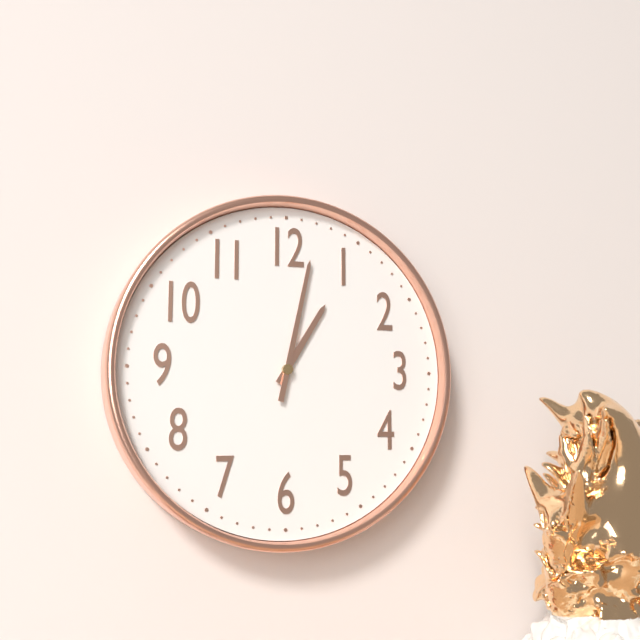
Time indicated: 1h02
